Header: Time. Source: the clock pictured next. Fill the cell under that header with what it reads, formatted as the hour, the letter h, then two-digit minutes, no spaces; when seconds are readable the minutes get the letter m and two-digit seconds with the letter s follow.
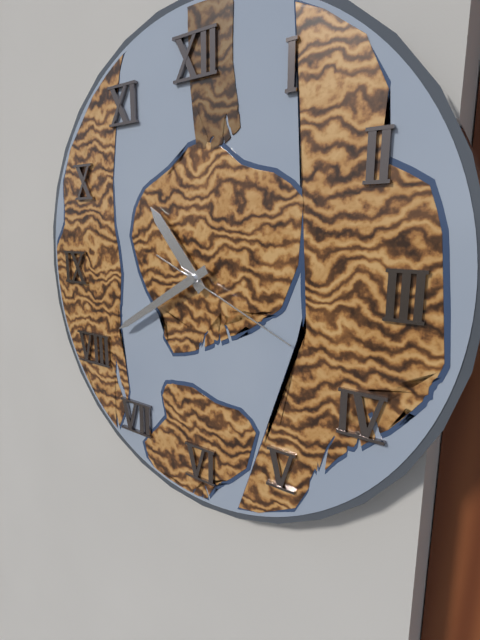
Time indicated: 10h40m19s
